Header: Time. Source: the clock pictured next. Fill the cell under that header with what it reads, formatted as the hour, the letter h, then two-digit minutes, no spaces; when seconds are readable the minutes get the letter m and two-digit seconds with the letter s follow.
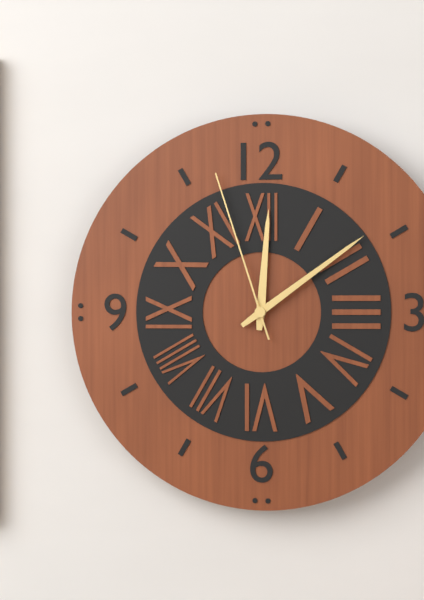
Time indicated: 12h09m57s
